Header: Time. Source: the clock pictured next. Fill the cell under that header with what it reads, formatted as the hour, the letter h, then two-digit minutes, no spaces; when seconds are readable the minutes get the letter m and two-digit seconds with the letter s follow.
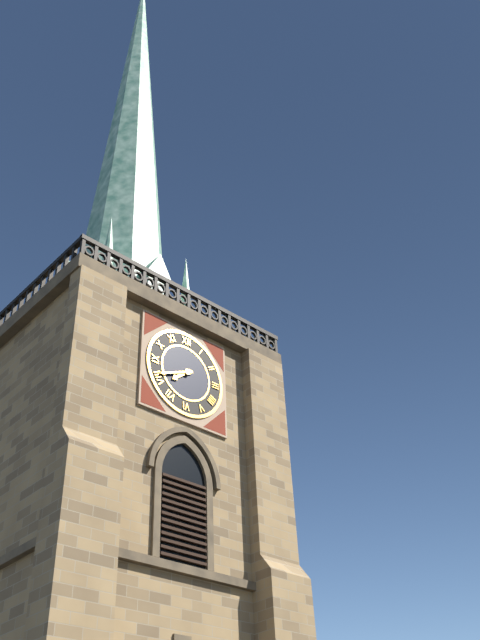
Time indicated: 7h41
